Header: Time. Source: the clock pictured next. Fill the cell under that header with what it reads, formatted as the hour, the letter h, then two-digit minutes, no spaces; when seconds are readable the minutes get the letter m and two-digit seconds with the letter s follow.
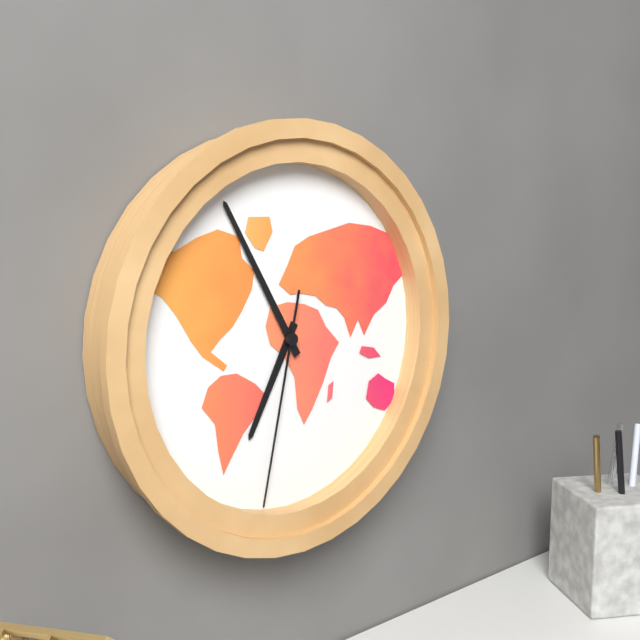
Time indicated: 6h55m32s
